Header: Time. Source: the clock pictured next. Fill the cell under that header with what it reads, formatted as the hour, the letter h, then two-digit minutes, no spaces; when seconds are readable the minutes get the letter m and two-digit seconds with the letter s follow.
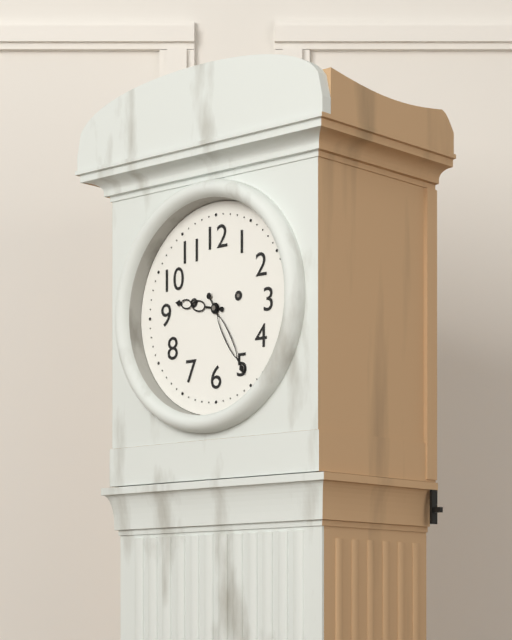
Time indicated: 9h25
